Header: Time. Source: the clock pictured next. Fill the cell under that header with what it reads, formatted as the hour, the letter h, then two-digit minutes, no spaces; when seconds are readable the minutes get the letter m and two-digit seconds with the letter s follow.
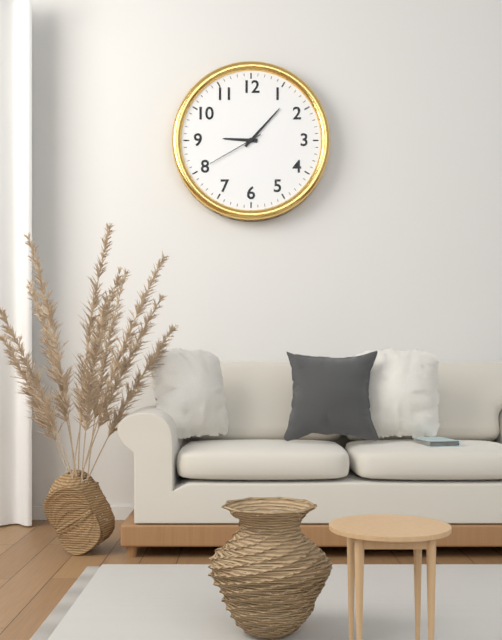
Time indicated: 9h07m40s
